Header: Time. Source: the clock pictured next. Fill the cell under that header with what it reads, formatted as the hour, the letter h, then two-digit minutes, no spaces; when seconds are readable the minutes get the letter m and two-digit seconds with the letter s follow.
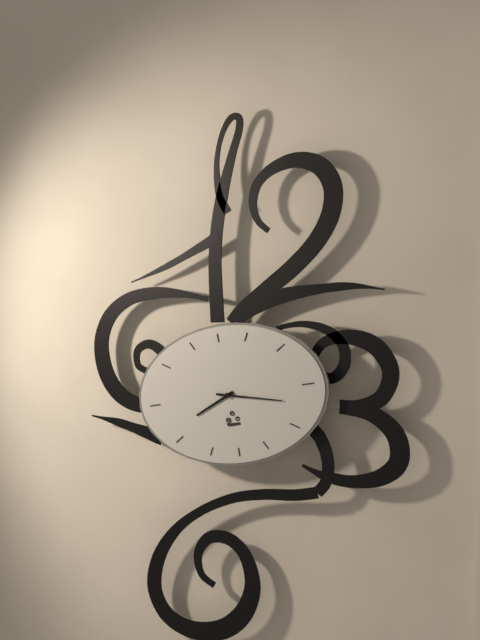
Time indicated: 8h17
